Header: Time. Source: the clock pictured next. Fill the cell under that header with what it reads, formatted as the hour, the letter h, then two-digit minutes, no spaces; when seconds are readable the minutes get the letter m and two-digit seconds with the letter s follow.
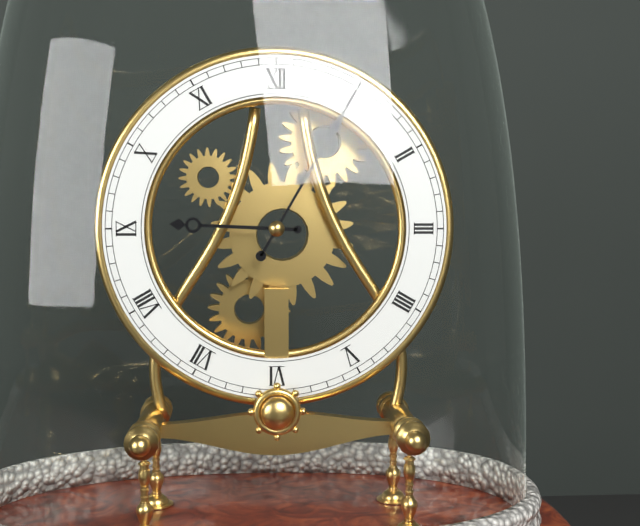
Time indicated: 9h05
